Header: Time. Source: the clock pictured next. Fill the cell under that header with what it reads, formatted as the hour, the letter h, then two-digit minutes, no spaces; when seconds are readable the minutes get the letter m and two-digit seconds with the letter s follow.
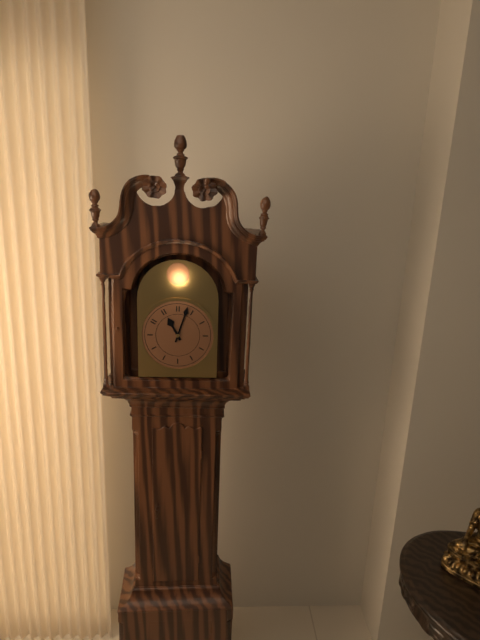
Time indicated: 11h03
